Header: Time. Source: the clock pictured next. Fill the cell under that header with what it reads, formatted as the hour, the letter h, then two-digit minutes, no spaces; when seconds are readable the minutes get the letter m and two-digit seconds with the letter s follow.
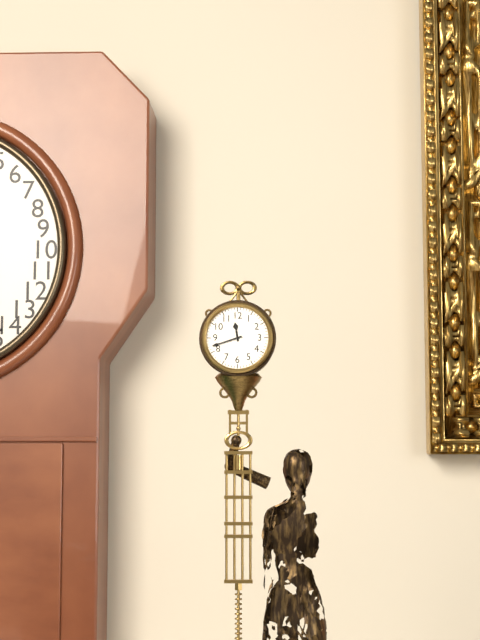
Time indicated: 11h42
